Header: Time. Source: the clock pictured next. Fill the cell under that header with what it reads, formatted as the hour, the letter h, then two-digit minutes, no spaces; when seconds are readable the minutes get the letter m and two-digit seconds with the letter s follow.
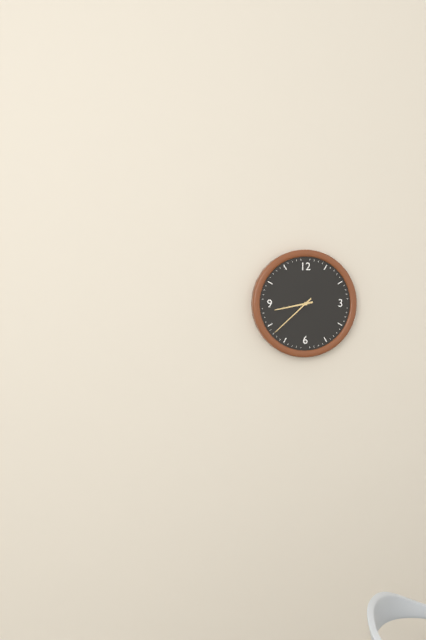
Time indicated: 8h38
